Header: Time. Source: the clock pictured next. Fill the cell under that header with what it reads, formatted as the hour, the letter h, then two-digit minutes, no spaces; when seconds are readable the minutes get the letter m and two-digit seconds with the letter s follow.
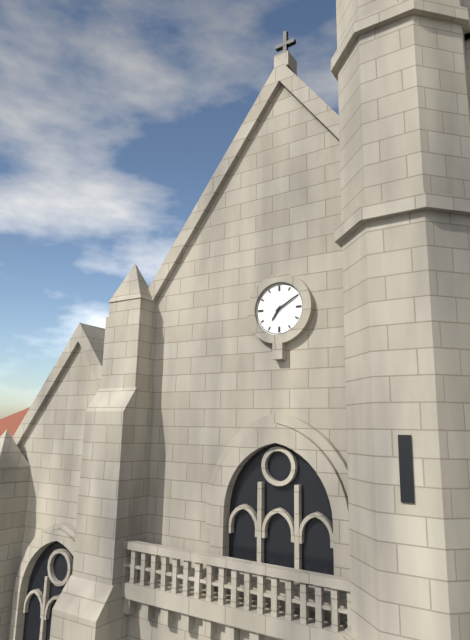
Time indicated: 7h10
